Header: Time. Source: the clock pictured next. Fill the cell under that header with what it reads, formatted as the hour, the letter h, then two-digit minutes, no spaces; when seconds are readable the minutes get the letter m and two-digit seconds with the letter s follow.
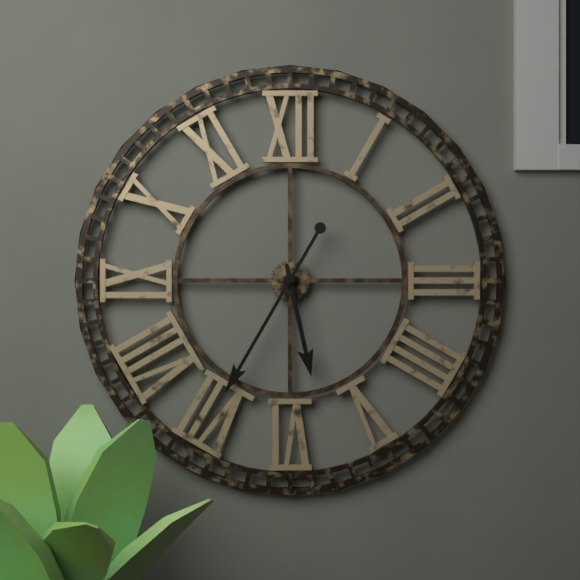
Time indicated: 5h35
